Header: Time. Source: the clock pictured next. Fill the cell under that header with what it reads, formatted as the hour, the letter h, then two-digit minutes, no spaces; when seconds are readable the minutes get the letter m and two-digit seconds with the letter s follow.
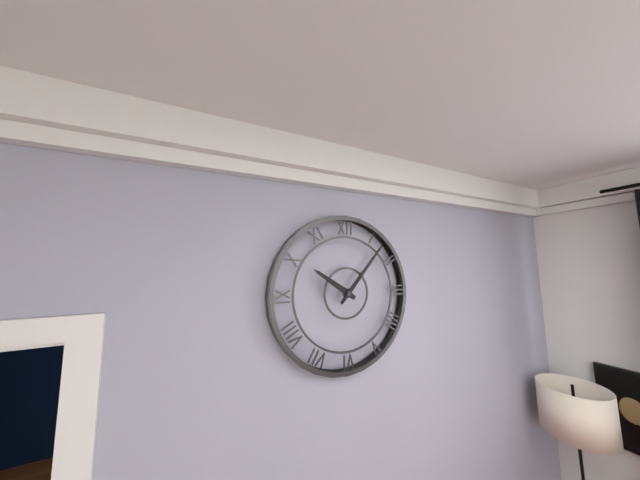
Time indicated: 10h07
